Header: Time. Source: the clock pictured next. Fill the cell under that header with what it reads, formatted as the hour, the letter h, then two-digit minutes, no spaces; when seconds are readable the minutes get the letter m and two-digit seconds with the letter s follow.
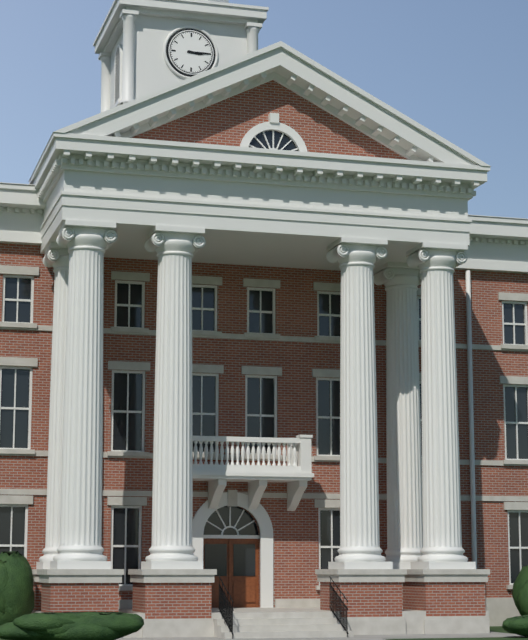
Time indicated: 3h15
